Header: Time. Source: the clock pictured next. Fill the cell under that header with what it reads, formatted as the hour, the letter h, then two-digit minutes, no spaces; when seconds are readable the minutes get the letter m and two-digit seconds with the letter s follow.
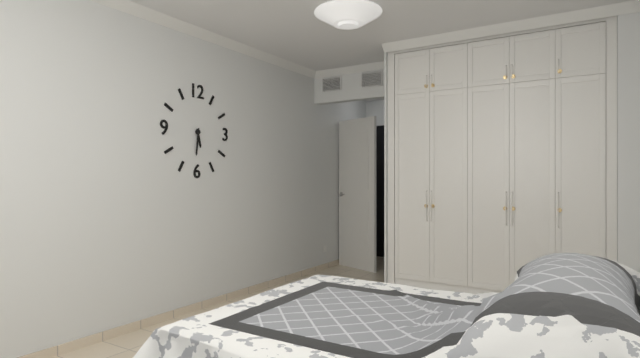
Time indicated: 5h31
